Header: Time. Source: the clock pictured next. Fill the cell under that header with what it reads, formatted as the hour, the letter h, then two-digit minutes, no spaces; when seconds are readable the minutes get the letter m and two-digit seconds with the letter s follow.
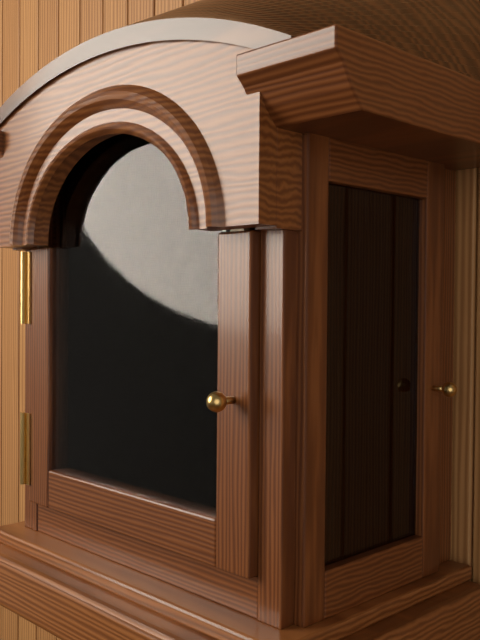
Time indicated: 2h29
